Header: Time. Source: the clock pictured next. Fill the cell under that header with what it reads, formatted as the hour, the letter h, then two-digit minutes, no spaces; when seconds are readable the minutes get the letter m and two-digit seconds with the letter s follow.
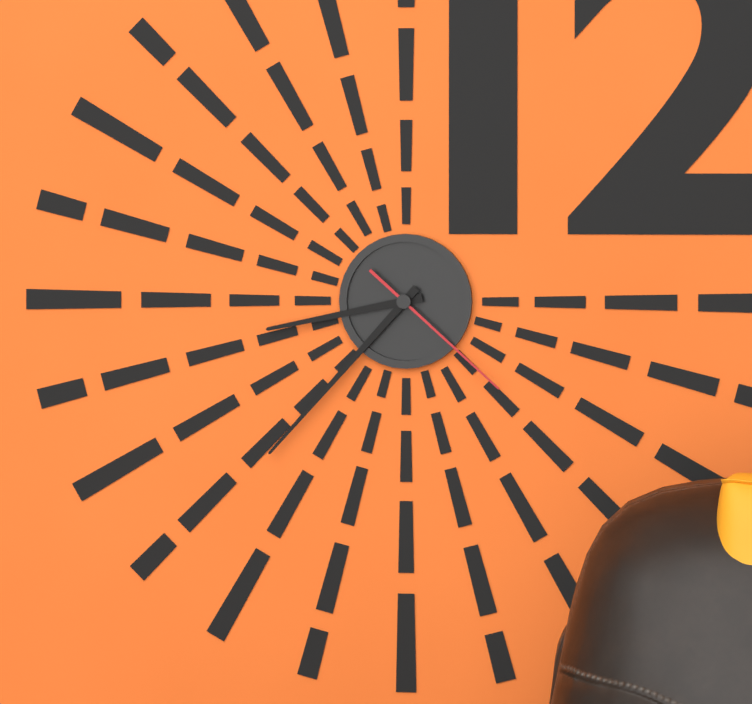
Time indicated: 8h37m22s
